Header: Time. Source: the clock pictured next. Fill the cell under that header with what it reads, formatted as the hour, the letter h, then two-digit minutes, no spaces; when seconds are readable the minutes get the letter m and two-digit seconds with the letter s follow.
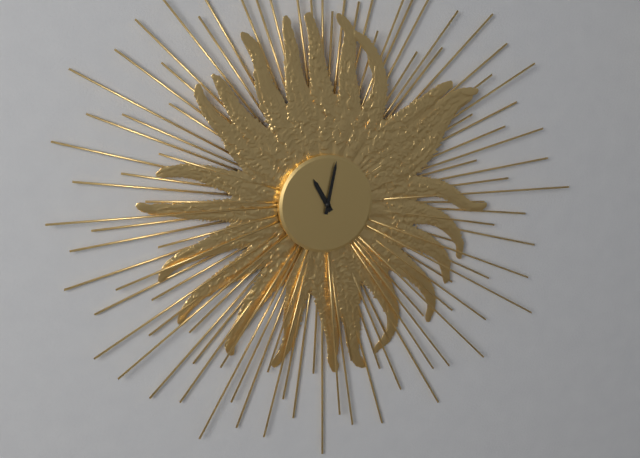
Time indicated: 11h02
